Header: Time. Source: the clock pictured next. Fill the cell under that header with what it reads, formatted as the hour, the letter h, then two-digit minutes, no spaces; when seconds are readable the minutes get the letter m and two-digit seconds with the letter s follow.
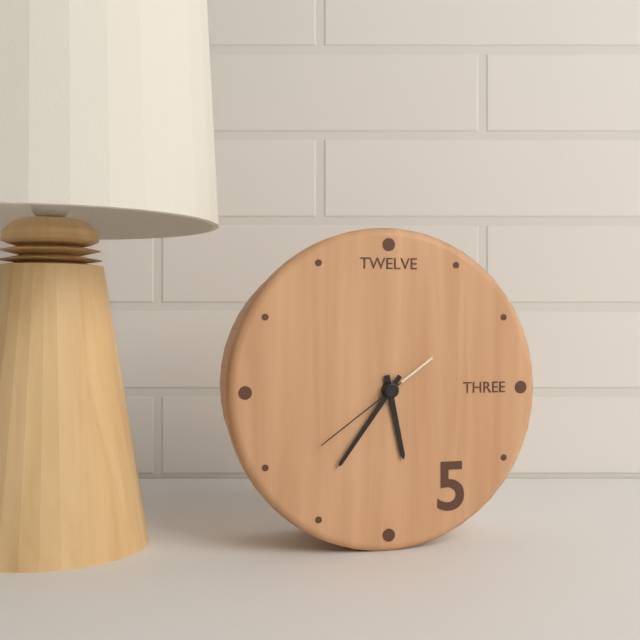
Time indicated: 5h36m39s
